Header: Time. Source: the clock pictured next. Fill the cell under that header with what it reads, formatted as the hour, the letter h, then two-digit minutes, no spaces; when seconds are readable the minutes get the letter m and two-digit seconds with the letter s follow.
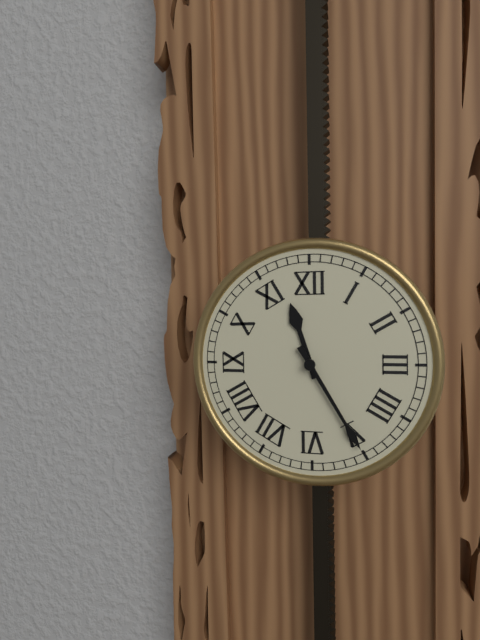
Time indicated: 11h25
